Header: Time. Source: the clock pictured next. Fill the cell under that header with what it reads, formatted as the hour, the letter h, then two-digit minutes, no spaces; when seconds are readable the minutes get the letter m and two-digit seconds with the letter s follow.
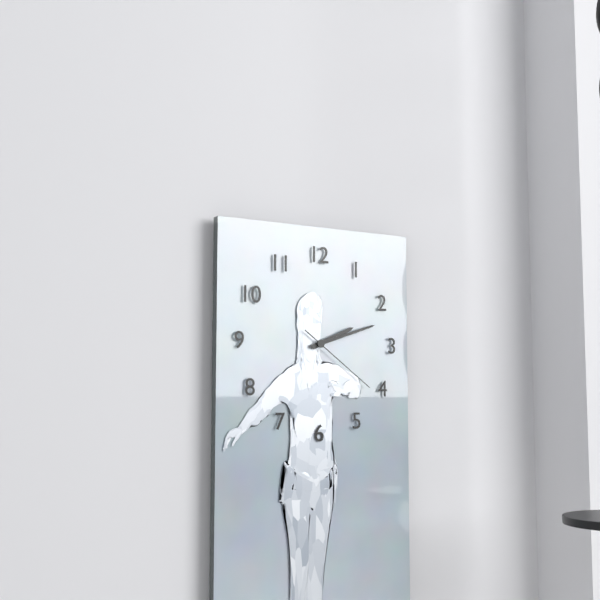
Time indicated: 2h12m21s
